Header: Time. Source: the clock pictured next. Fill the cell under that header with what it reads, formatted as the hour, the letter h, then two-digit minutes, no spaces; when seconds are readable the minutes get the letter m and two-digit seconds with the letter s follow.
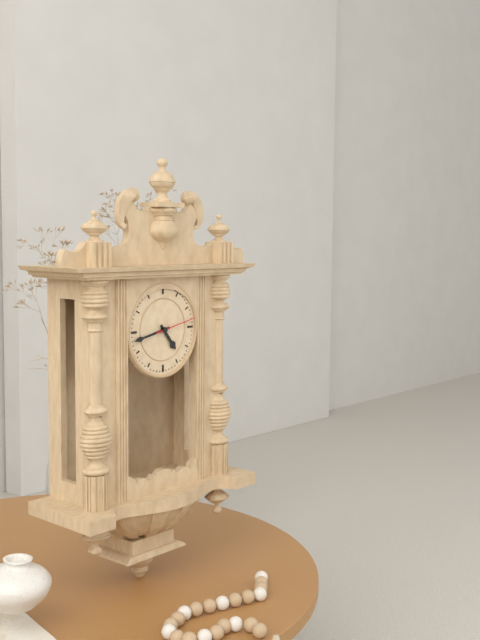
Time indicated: 4h43
